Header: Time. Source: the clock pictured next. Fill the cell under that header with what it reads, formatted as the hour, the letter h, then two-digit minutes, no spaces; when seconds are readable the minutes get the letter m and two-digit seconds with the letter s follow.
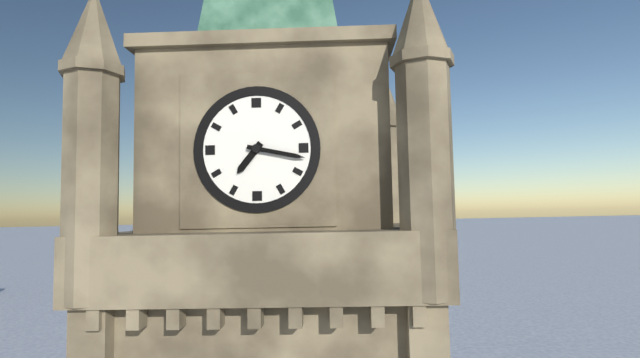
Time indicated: 7h17
